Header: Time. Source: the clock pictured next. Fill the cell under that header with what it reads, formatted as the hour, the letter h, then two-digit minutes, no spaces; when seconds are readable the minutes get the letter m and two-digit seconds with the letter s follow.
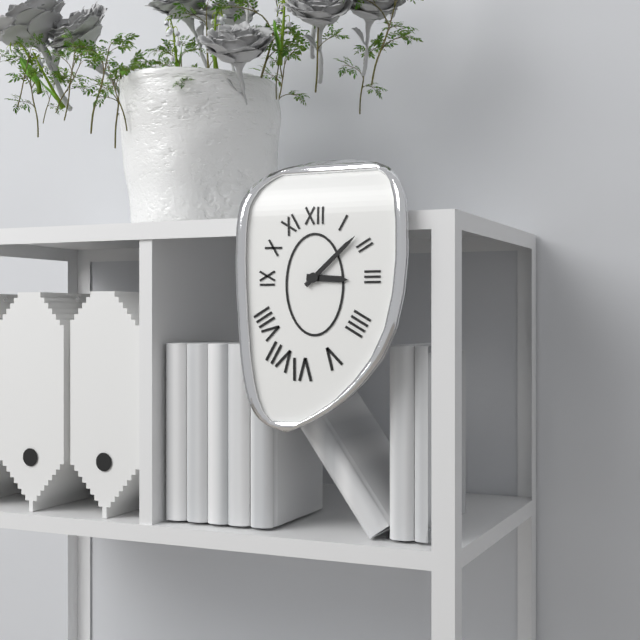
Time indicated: 3h08
